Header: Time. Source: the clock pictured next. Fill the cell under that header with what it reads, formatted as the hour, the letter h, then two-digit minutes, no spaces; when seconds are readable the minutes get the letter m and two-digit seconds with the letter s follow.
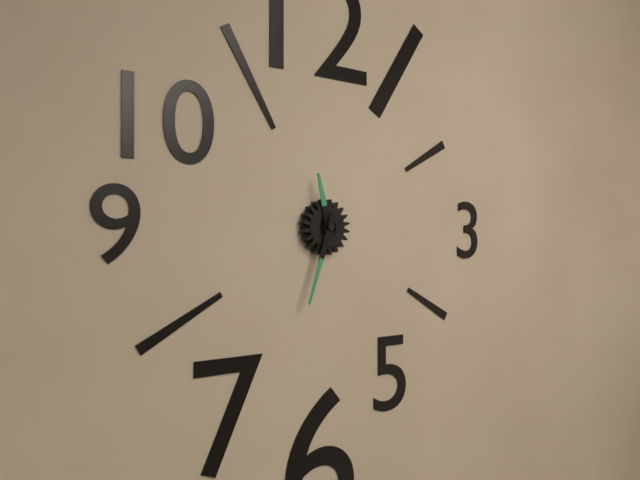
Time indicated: 11h33
